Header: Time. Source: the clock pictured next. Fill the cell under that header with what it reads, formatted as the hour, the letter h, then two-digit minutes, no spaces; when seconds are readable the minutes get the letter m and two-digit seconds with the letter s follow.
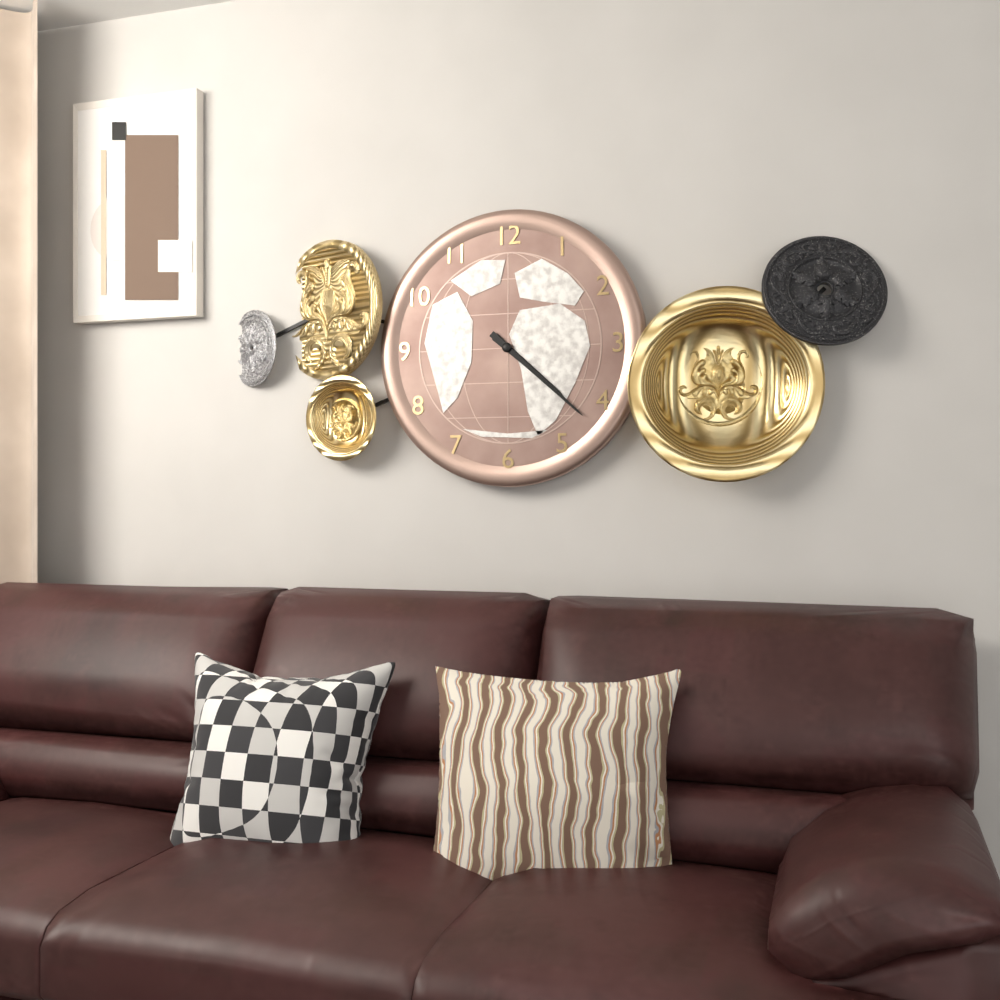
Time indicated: 4h22
